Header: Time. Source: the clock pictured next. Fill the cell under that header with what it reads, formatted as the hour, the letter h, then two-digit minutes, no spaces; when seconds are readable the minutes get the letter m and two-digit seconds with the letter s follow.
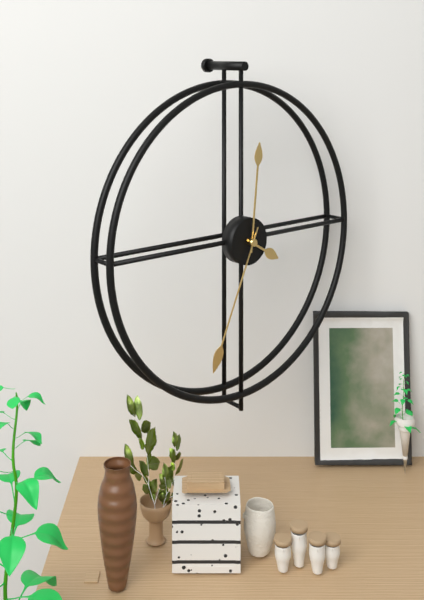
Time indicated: 4h01m34s
